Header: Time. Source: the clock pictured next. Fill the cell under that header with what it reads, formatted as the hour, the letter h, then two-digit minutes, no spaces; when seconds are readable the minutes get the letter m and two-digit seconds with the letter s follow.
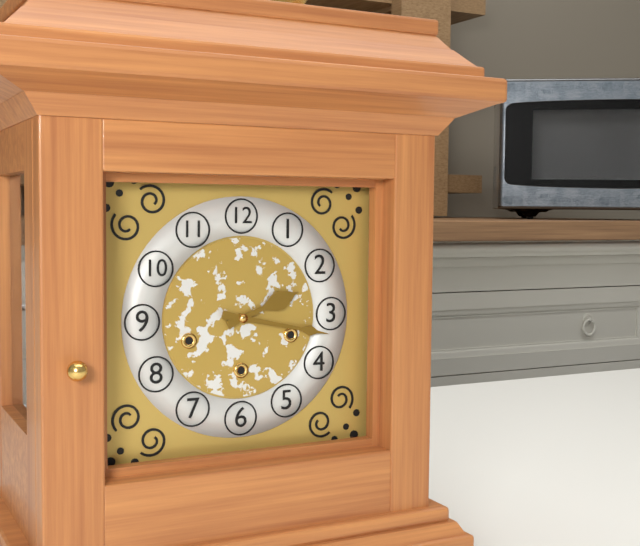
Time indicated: 2h17
